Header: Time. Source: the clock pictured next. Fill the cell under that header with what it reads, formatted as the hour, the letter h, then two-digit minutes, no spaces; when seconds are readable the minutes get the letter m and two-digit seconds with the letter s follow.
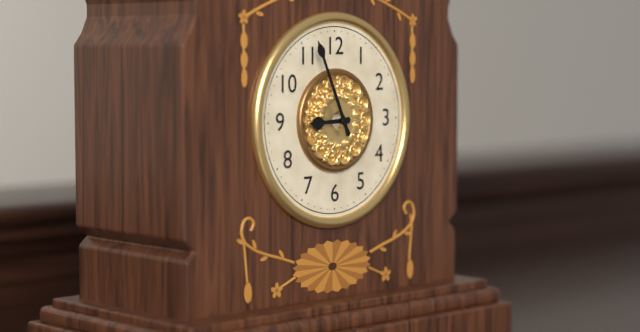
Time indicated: 8h56
